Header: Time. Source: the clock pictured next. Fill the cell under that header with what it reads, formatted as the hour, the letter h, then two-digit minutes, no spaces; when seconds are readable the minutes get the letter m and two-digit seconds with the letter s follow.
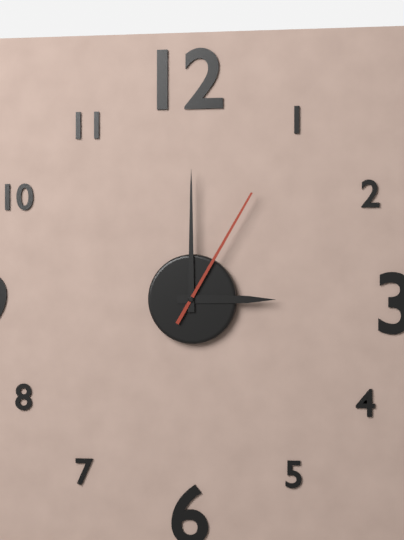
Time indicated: 3h00m05s
